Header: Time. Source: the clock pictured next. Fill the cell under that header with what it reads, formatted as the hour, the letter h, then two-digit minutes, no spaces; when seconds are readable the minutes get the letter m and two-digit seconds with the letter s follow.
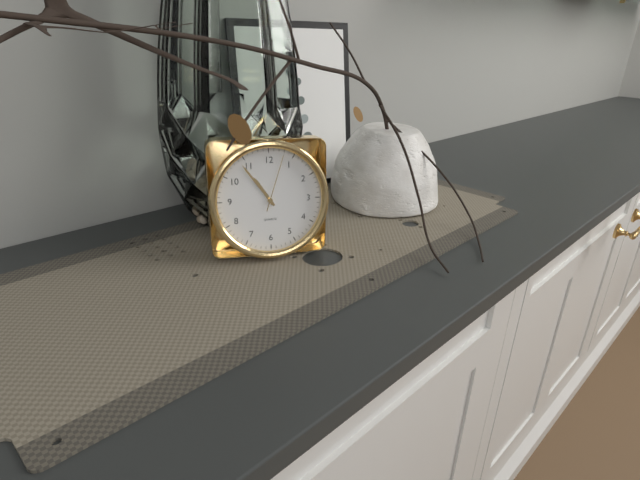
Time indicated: 10h54m03s
